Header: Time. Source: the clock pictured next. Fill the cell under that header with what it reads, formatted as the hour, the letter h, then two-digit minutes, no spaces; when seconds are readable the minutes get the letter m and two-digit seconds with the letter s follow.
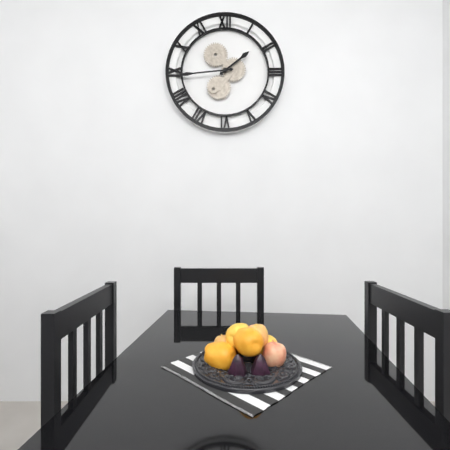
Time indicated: 1h44
